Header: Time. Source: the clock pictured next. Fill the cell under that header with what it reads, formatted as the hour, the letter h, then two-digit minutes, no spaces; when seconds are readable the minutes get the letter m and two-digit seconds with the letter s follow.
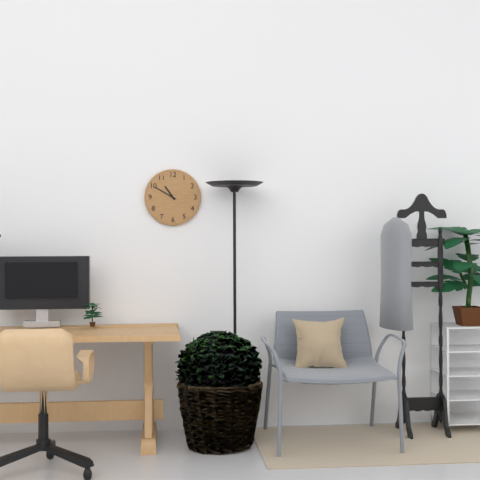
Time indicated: 10h50
